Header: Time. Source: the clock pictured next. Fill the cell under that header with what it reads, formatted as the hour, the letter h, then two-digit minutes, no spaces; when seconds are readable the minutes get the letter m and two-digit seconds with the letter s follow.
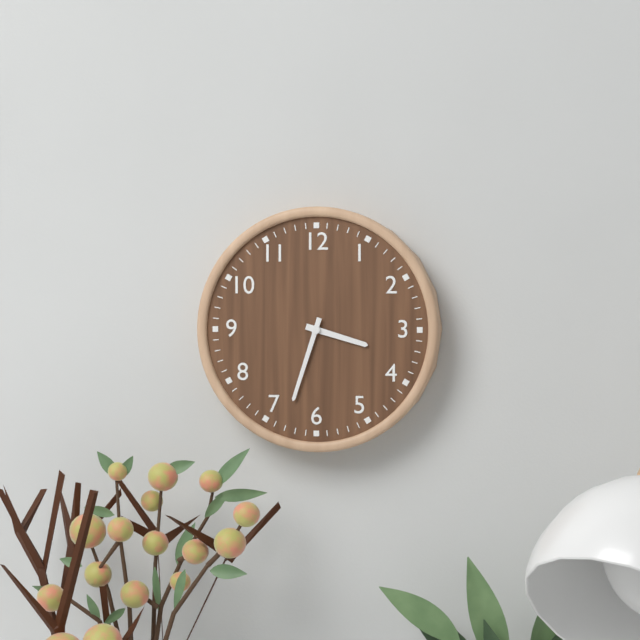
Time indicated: 3h33
